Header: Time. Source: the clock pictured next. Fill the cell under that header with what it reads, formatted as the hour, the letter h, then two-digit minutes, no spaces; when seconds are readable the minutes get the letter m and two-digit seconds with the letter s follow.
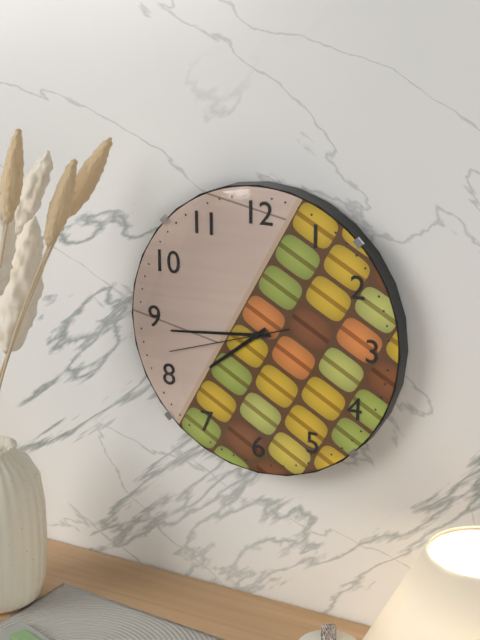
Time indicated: 7h44m42s
